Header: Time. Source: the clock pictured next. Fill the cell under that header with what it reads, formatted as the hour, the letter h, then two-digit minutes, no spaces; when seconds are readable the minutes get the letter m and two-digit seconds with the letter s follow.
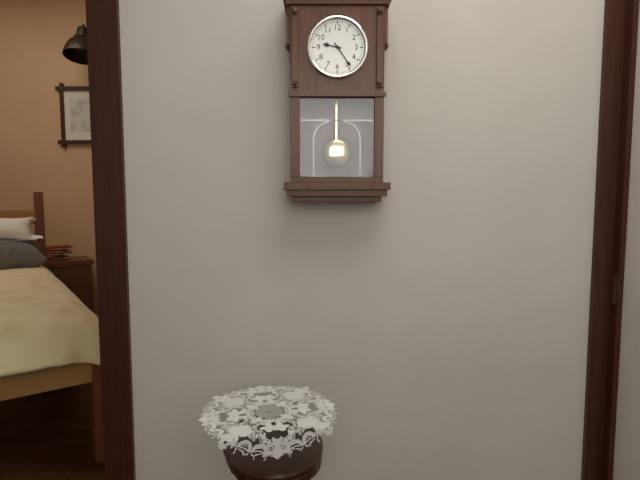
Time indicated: 9h24
